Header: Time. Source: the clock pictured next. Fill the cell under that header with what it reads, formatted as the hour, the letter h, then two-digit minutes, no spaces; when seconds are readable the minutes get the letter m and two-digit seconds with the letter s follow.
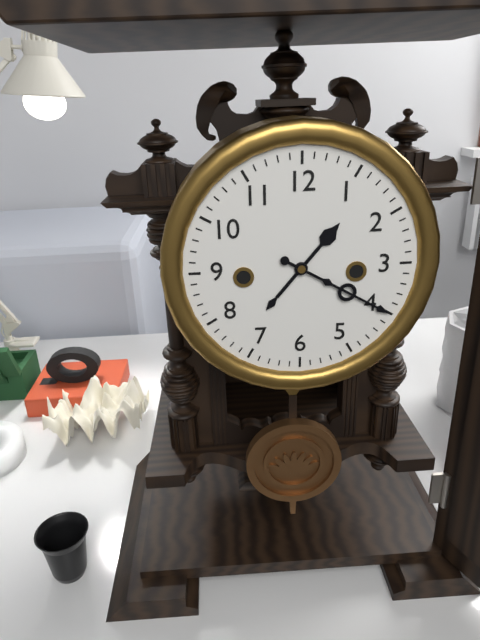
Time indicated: 1h20
